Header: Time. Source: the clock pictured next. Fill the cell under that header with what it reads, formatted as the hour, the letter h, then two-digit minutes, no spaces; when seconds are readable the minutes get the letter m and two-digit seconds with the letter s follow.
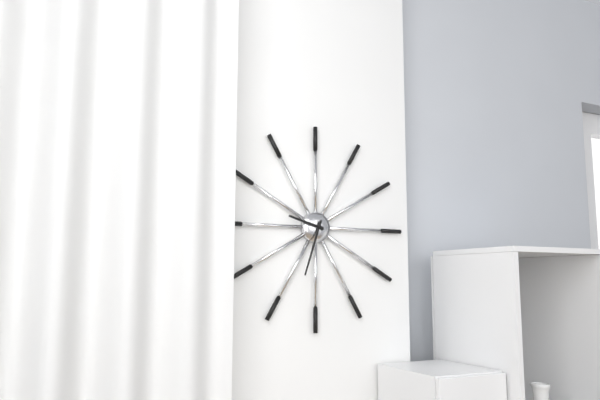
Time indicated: 9h33
